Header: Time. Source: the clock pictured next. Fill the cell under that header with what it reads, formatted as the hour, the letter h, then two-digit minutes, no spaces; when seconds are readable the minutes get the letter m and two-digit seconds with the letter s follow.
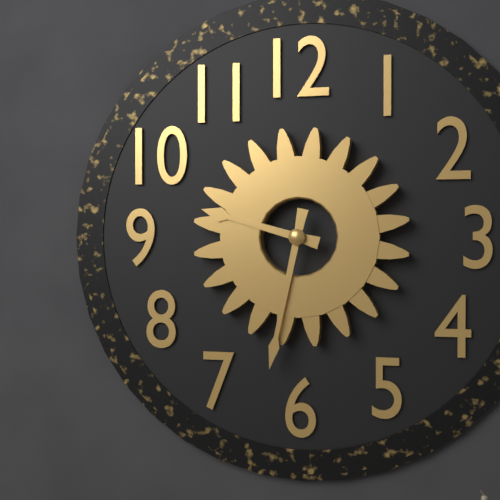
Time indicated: 9h32
